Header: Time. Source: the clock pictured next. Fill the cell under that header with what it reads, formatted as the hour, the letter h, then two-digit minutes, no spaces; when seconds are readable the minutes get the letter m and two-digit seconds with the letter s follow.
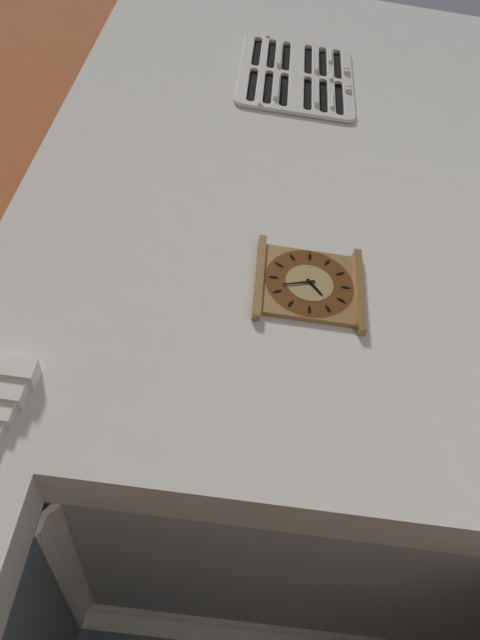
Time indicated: 4h42
